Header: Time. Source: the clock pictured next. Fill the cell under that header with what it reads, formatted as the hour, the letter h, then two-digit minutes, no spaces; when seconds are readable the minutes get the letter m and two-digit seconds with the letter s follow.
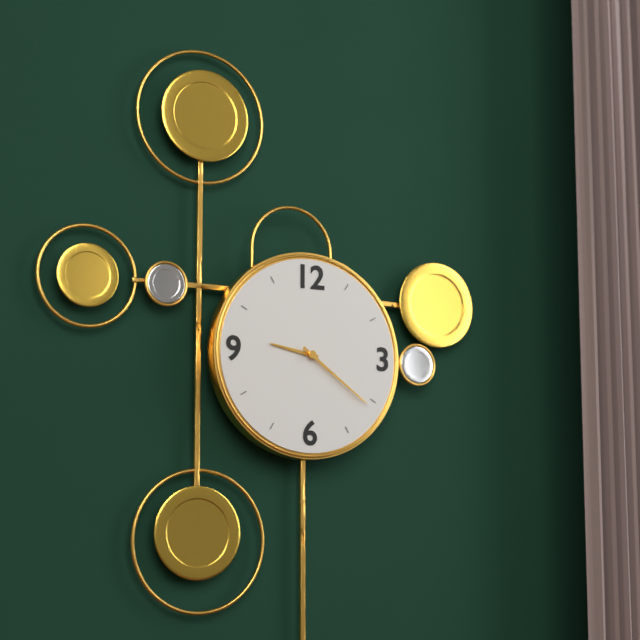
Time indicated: 9h21
